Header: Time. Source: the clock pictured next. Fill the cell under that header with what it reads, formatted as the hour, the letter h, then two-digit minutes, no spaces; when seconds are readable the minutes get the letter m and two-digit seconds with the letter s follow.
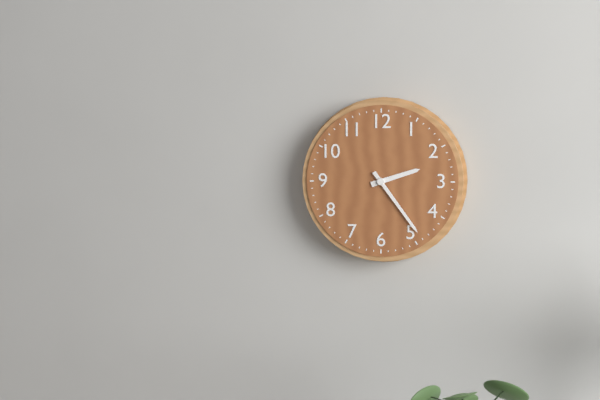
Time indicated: 2h24
